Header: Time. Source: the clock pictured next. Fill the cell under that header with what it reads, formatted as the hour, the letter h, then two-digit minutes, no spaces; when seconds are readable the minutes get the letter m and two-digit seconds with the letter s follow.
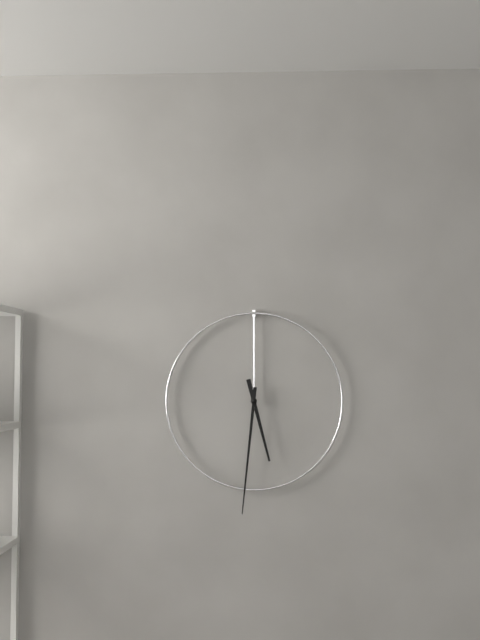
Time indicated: 5h31
